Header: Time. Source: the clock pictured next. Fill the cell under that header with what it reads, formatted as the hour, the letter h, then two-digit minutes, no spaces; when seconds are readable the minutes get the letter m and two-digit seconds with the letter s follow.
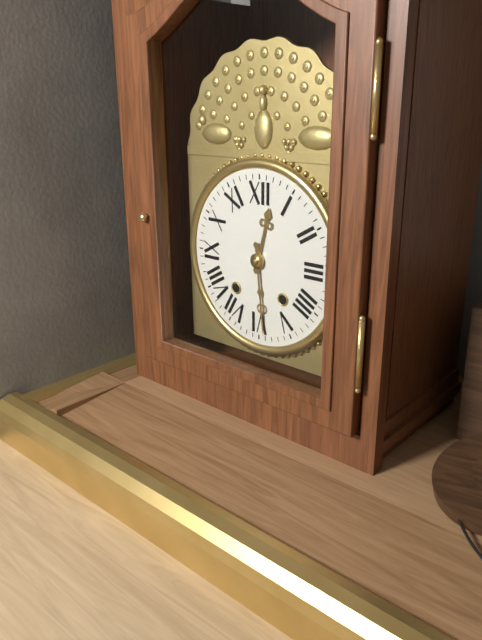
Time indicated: 12h29
